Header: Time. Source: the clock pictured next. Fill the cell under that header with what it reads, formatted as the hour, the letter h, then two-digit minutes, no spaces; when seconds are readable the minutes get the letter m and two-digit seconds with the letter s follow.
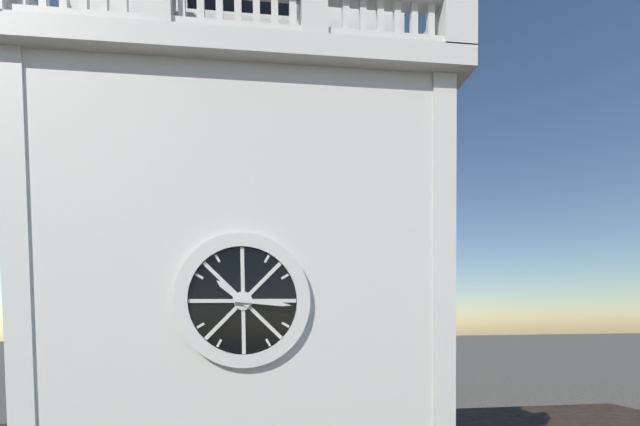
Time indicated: 10h16
